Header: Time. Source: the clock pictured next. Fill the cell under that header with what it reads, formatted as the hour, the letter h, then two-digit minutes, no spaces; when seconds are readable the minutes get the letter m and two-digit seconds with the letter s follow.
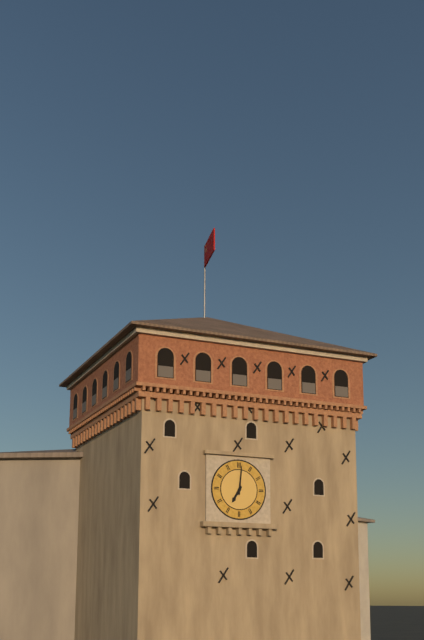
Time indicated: 7h01
